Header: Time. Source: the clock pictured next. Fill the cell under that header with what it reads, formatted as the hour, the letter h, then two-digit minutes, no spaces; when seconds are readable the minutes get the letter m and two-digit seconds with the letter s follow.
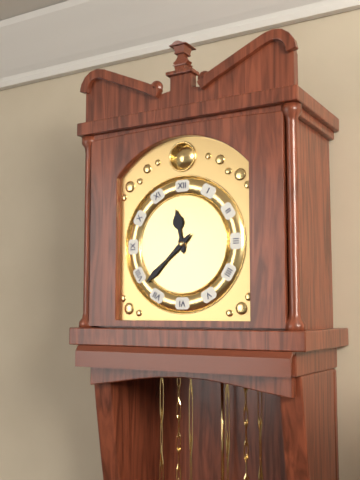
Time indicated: 11h38
